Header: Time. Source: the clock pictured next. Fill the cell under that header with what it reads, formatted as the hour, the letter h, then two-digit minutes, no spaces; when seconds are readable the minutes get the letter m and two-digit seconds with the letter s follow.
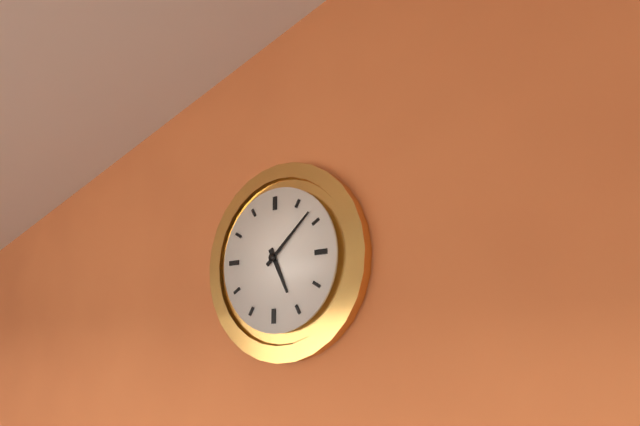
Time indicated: 5h08
